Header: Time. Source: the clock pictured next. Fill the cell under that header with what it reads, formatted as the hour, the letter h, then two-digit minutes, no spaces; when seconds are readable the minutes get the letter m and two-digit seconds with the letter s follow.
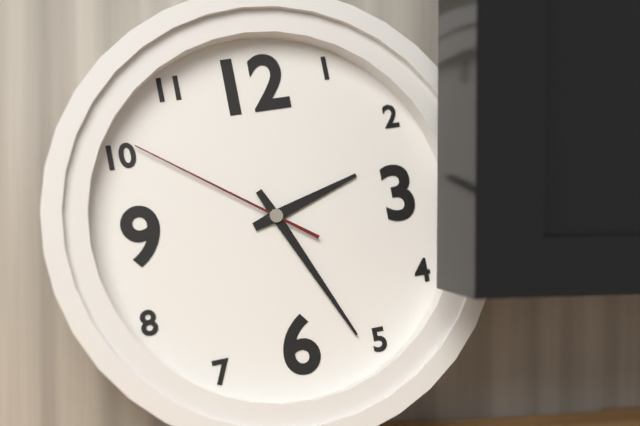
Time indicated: 2h26m51s
